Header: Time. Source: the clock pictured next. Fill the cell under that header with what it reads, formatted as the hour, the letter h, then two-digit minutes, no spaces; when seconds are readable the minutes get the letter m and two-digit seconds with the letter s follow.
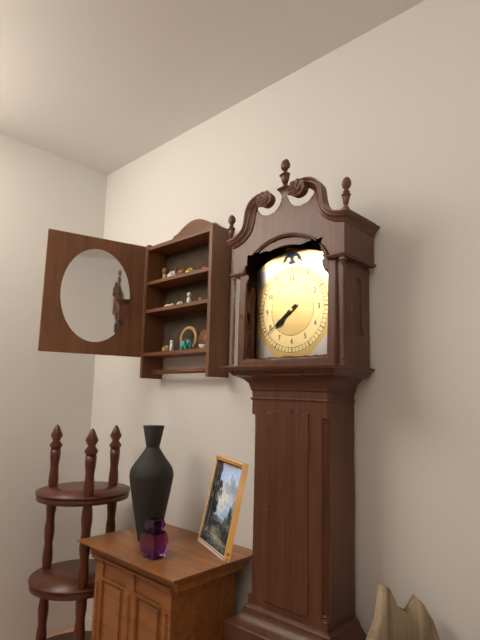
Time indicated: 7h39
